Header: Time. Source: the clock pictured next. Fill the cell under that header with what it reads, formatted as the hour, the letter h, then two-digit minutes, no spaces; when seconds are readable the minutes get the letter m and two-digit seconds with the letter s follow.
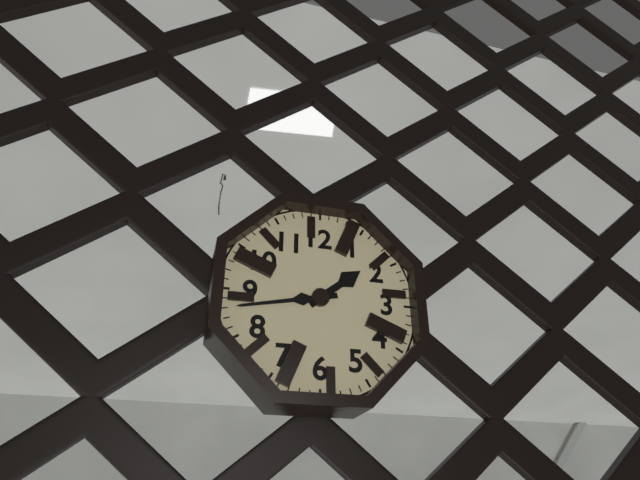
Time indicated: 1h43
